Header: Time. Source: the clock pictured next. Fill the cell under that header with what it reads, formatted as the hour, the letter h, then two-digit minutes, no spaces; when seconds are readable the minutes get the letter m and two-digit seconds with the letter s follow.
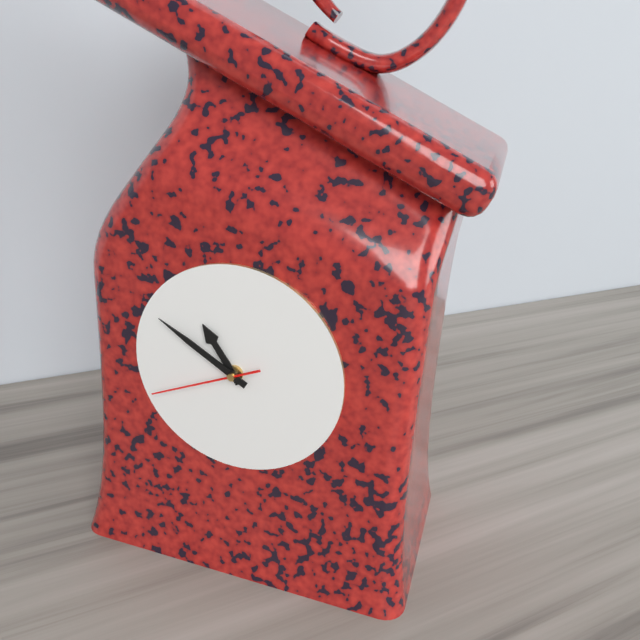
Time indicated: 10h50m41s
